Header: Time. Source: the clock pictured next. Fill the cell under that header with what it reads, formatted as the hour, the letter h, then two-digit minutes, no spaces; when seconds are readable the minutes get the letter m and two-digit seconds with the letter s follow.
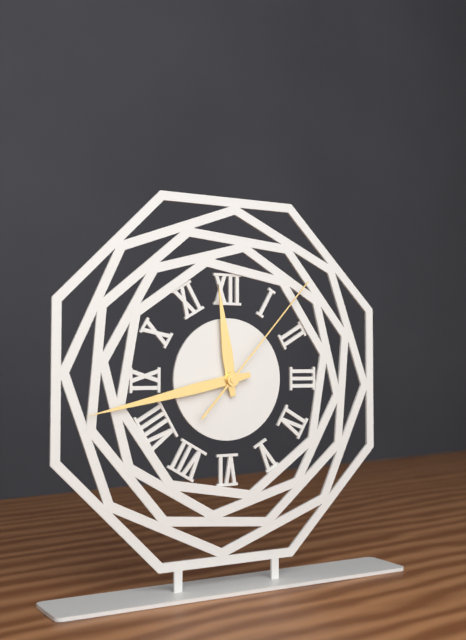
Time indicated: 11h43m07s
